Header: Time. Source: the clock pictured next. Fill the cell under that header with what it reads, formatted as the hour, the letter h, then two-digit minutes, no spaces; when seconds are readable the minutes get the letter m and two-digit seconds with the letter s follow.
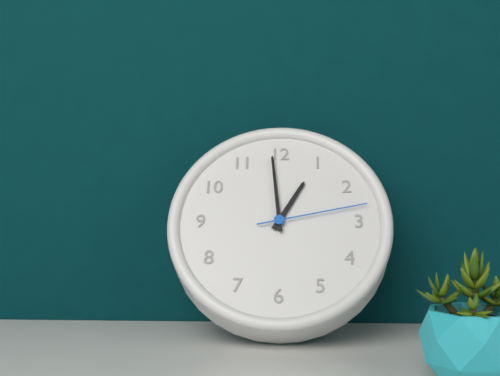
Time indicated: 12h59m13s
